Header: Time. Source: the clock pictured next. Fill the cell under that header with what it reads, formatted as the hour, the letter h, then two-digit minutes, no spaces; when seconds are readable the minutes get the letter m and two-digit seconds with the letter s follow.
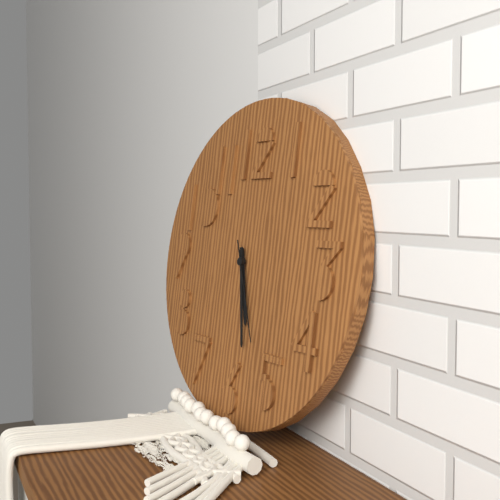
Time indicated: 5h28m26s
